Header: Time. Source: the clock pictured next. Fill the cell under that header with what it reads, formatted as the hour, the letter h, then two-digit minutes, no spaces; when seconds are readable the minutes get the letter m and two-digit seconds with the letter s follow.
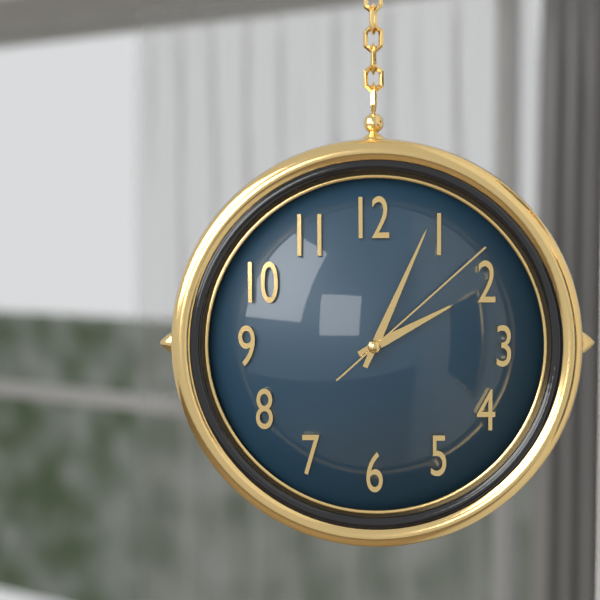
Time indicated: 2h04m08s
